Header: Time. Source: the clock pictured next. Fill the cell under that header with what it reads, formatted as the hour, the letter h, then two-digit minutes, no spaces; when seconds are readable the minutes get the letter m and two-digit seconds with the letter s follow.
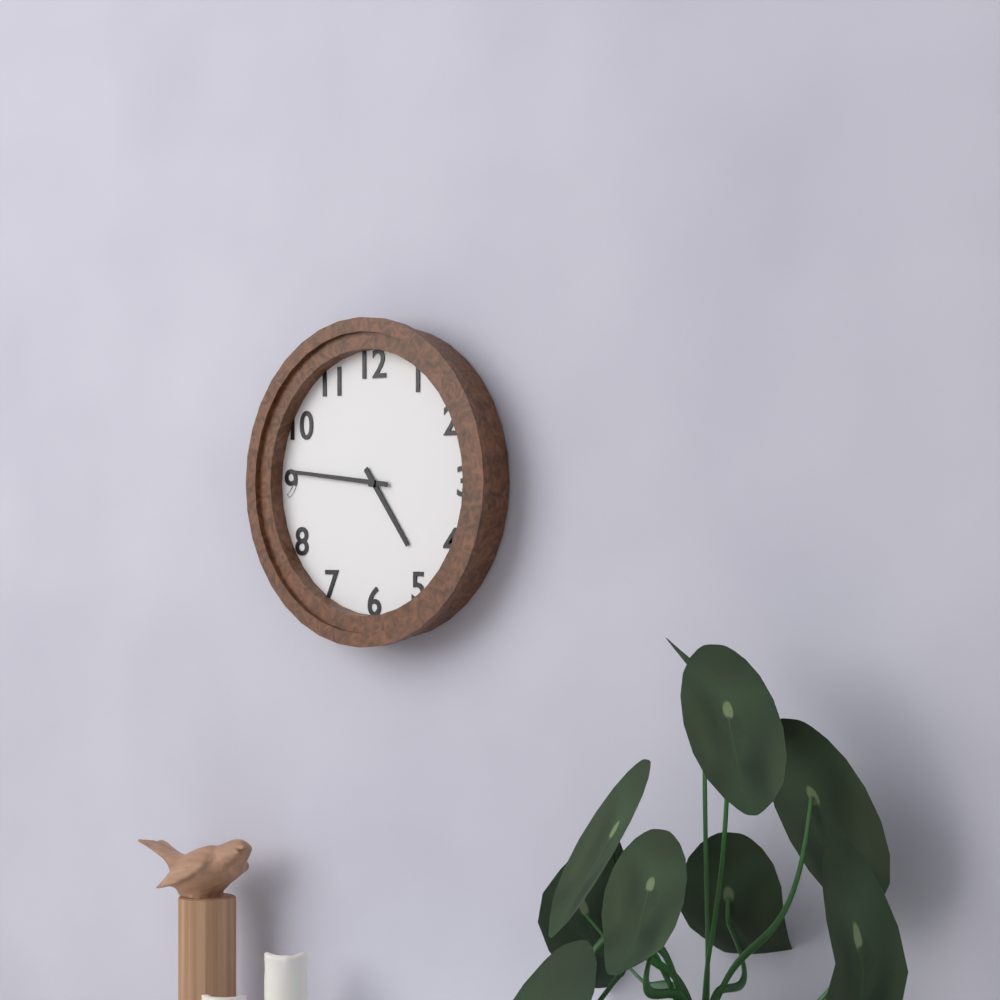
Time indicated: 4h46
